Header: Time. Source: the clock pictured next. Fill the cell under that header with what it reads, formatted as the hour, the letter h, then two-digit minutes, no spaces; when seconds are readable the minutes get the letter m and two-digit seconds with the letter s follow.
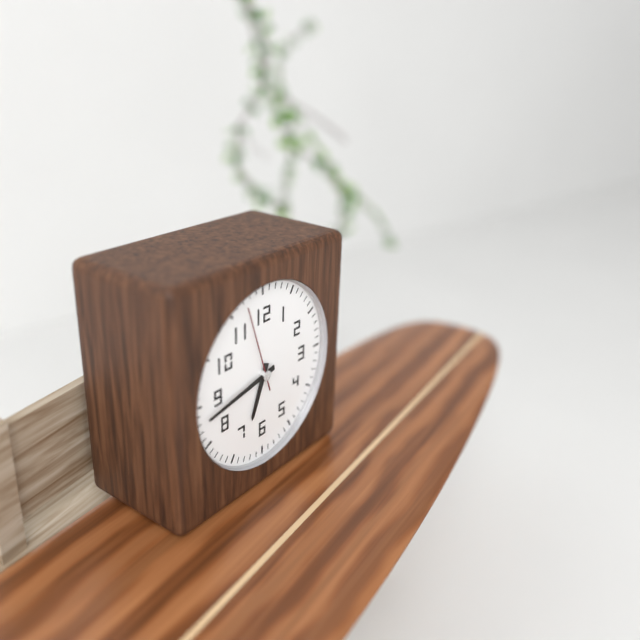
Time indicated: 6h43m57s
